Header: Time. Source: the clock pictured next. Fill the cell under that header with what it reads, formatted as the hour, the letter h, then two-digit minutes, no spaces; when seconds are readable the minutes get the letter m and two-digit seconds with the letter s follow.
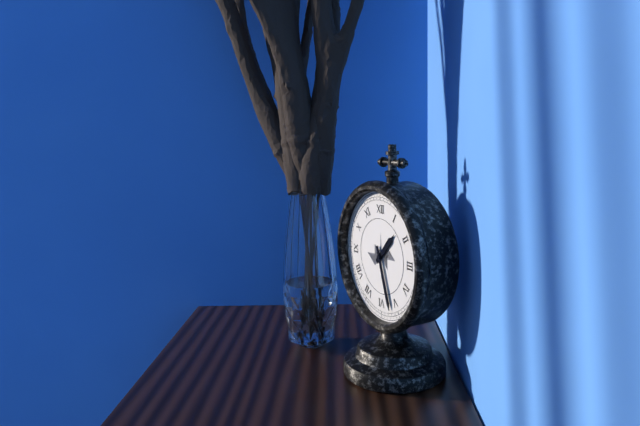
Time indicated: 1h27
